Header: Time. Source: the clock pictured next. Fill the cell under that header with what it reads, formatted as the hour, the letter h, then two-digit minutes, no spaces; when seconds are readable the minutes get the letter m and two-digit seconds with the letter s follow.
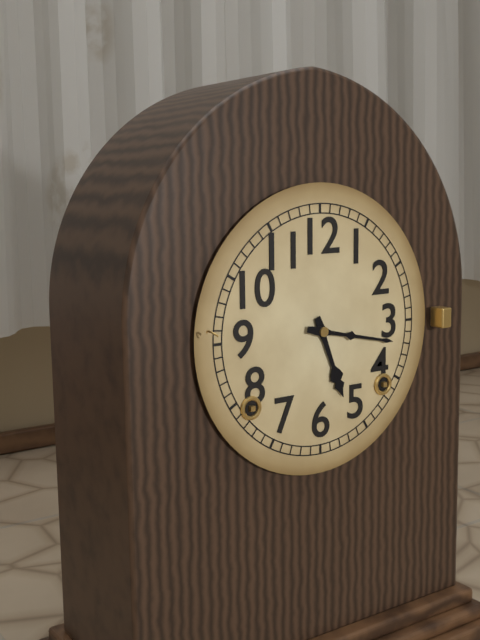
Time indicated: 5h17
